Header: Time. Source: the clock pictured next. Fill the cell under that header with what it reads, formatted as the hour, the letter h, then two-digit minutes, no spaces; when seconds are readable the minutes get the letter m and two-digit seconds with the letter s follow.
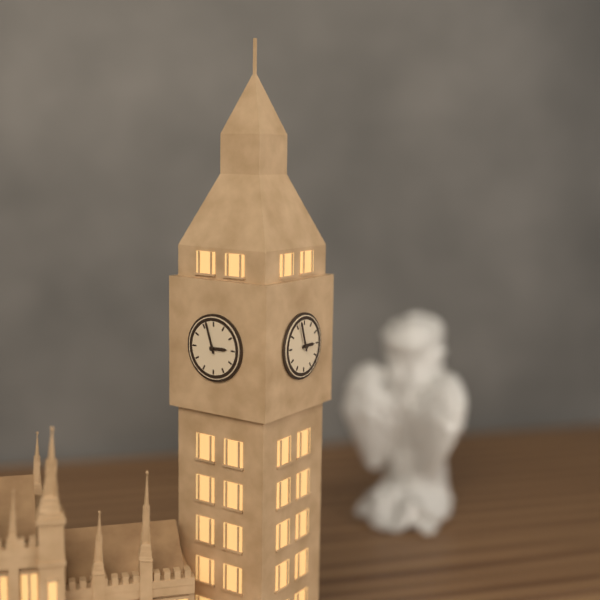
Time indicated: 2h57
